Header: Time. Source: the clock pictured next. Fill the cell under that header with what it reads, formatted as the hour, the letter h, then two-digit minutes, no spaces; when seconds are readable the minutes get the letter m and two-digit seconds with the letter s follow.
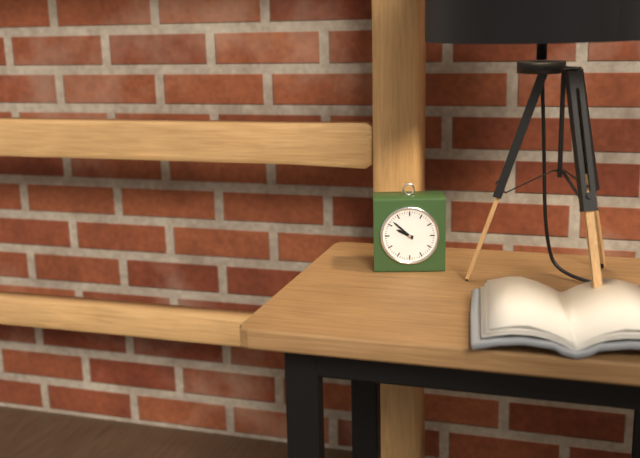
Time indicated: 9h52
